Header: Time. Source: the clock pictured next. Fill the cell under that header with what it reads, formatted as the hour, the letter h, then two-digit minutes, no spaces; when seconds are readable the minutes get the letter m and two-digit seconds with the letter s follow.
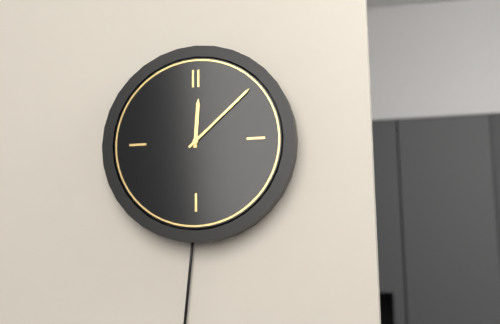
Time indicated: 12h08
